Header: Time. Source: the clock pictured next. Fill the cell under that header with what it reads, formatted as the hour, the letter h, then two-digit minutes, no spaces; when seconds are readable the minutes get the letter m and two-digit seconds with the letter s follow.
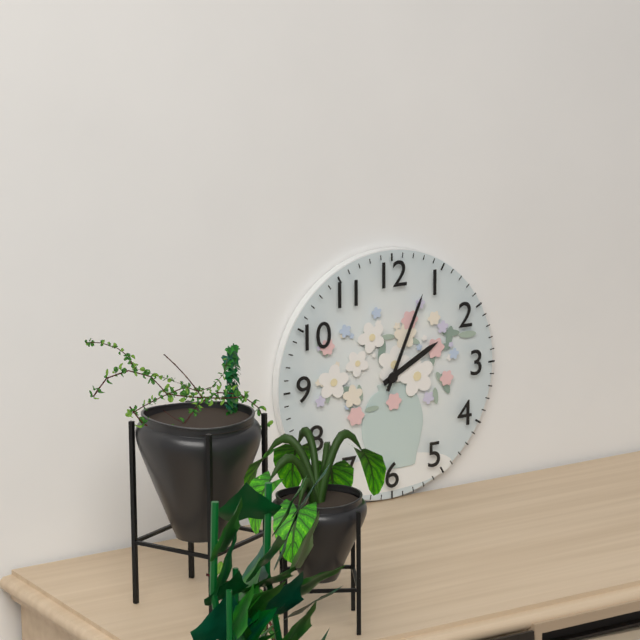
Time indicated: 2h04
